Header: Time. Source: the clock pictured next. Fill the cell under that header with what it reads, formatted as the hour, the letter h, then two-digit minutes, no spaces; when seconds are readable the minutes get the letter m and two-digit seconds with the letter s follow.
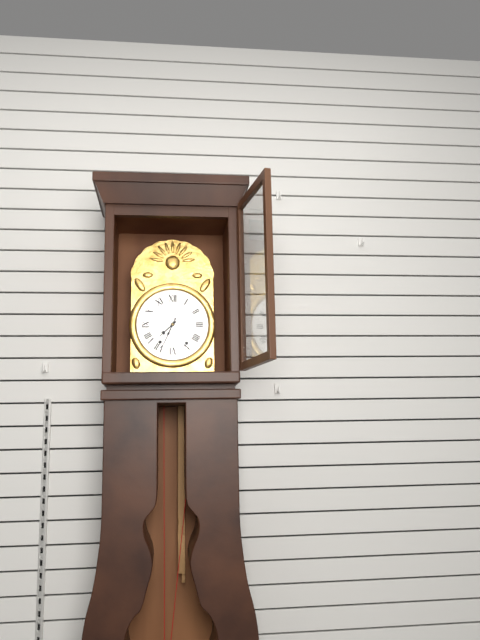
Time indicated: 7h34
